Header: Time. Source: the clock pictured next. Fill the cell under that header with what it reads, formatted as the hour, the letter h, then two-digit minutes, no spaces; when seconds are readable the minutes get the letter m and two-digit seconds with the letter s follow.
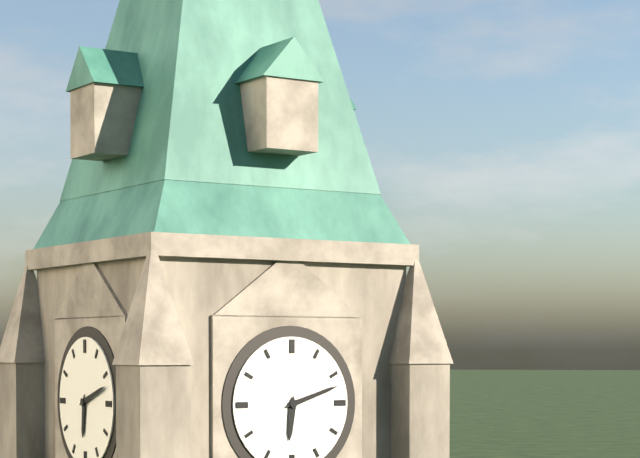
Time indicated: 6h12
